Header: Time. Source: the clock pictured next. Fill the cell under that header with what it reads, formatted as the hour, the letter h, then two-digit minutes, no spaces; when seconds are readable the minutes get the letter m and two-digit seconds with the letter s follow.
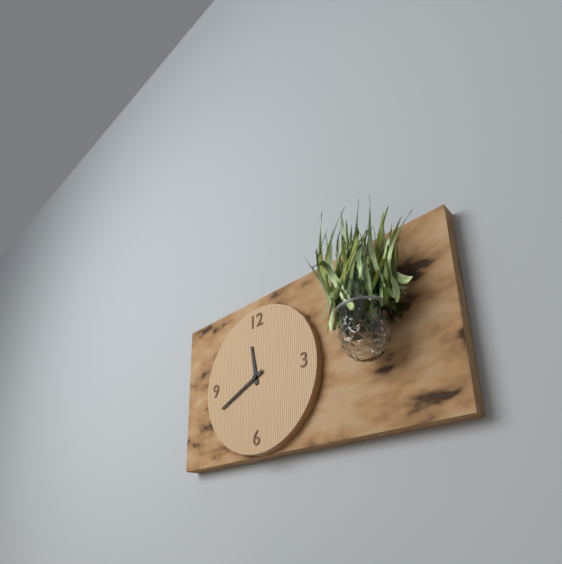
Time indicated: 11h41
